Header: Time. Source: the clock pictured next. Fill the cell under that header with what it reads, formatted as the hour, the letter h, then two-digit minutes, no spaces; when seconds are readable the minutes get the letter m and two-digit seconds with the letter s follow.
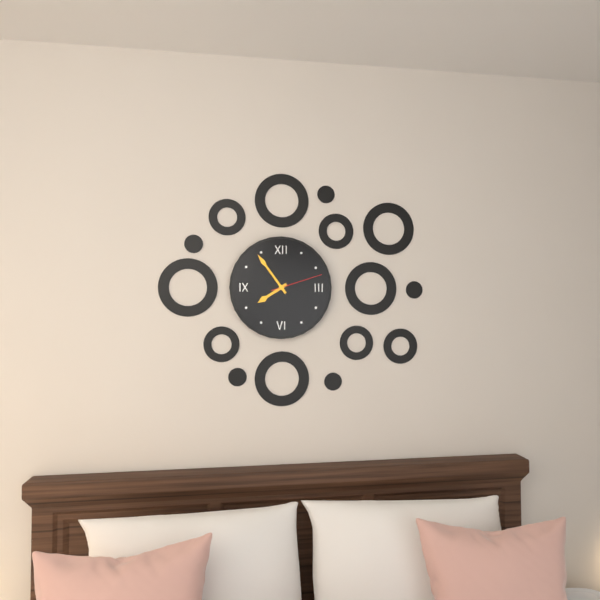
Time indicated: 7h54m12s
